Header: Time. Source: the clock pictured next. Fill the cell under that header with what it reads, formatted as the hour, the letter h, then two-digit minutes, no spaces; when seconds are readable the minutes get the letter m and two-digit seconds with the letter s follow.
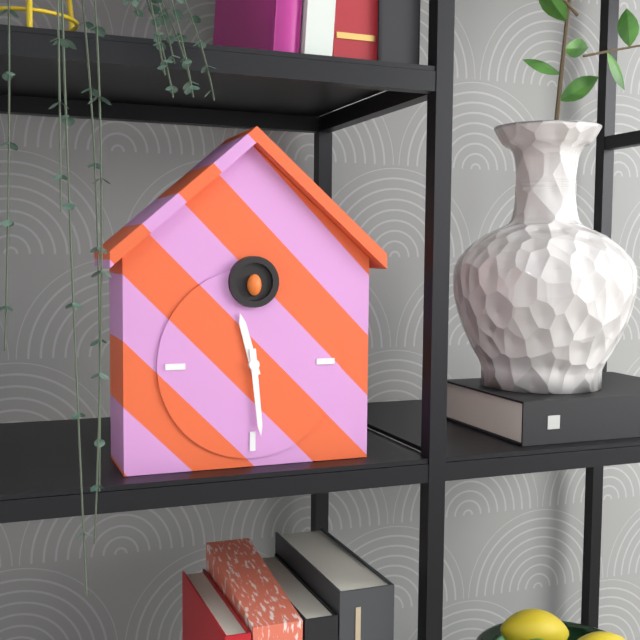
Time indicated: 11h29
